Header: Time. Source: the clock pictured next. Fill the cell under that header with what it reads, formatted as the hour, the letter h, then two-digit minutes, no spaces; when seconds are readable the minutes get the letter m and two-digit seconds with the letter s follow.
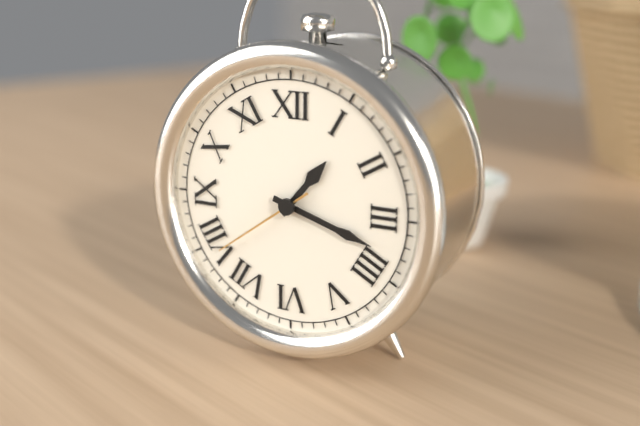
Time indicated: 1h18m39s
